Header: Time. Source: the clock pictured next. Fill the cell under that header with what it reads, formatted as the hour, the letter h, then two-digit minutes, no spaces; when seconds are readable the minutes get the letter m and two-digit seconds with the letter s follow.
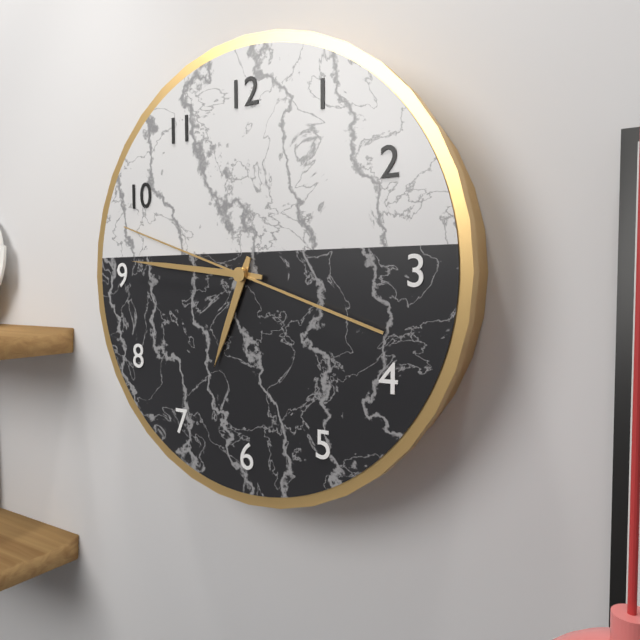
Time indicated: 6h46m48s
